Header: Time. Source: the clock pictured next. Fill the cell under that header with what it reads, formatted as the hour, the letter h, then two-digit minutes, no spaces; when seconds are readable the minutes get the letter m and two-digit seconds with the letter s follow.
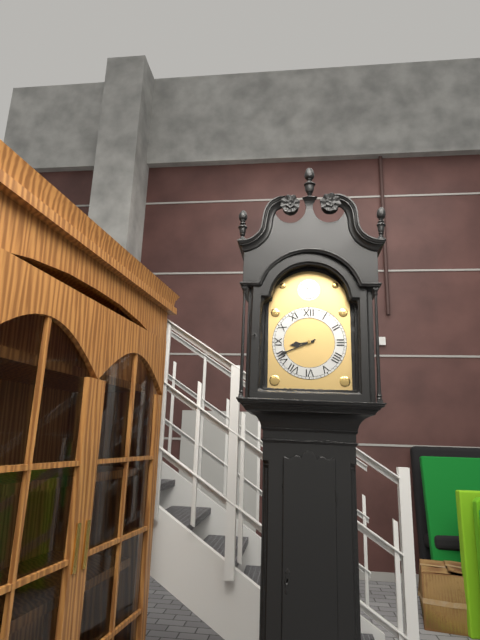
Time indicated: 8h41
